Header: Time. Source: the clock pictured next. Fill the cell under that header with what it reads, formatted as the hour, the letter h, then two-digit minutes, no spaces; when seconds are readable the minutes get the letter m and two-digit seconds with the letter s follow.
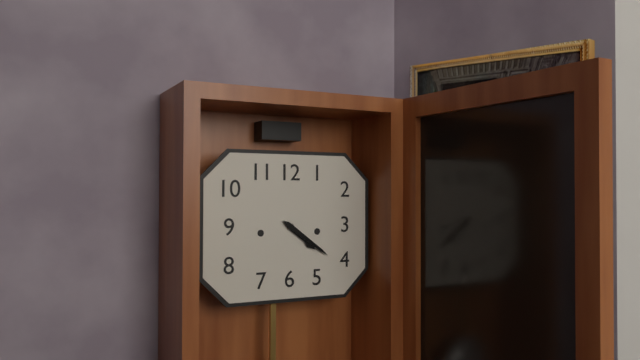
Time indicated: 4h21
